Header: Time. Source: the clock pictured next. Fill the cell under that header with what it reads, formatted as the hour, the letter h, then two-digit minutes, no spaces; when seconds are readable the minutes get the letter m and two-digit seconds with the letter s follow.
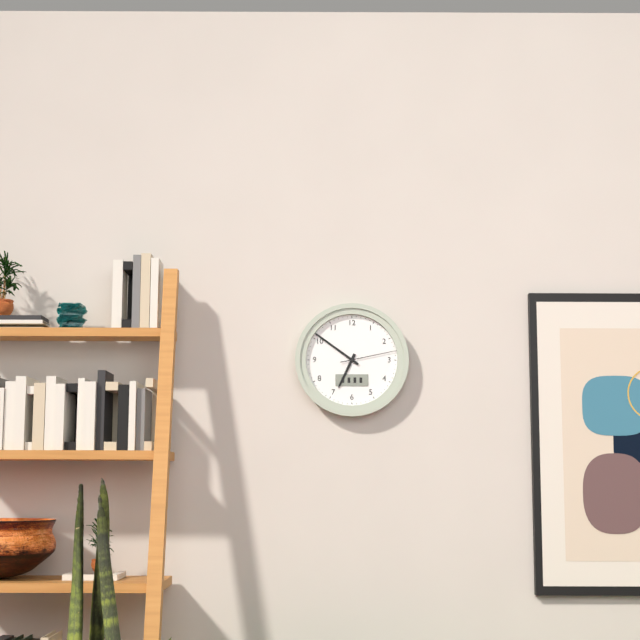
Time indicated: 6h51m13s
